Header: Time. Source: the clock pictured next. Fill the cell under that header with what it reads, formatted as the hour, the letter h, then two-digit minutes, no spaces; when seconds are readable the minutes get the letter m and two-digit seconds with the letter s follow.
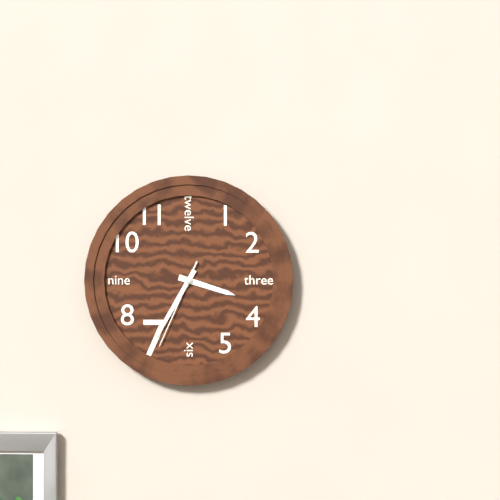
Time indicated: 3h35m34s
